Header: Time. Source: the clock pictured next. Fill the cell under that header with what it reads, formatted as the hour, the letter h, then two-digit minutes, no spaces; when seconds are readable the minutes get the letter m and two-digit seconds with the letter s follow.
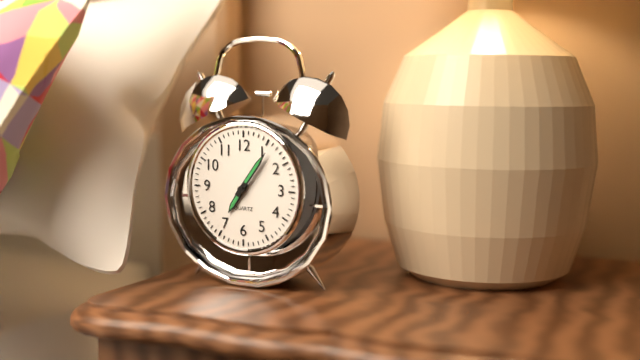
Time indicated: 7h06
